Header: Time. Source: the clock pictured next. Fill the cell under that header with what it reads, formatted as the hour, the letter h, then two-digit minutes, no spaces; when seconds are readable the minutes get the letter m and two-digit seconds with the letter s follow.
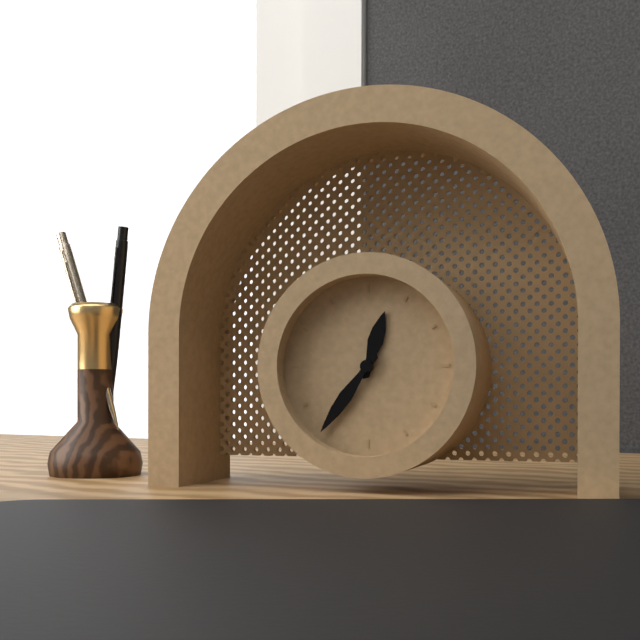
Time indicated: 12h36
